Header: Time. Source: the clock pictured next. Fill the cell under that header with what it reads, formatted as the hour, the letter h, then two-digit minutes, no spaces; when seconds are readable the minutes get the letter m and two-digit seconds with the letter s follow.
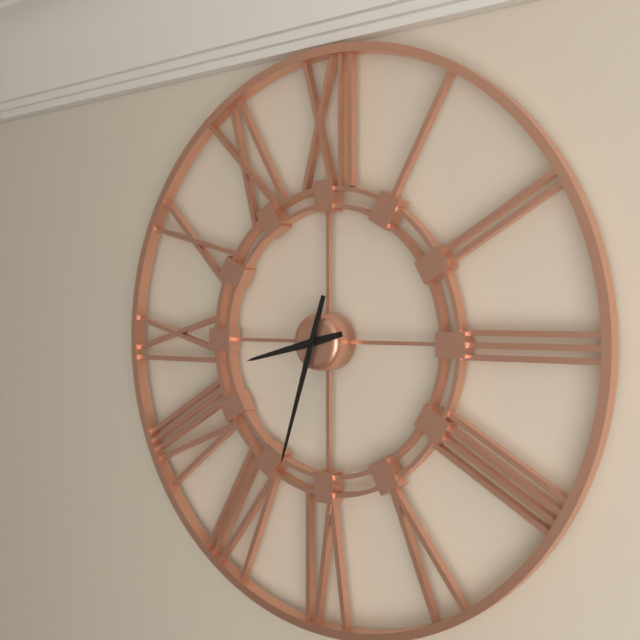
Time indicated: 8h33
